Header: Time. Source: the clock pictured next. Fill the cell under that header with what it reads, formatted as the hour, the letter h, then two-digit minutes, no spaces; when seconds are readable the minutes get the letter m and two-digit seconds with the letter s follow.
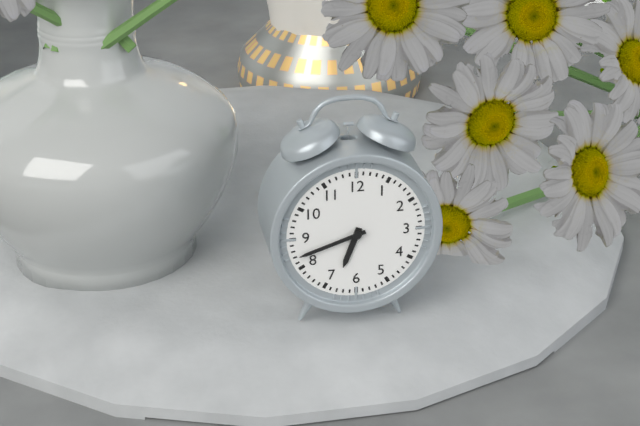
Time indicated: 6h42
